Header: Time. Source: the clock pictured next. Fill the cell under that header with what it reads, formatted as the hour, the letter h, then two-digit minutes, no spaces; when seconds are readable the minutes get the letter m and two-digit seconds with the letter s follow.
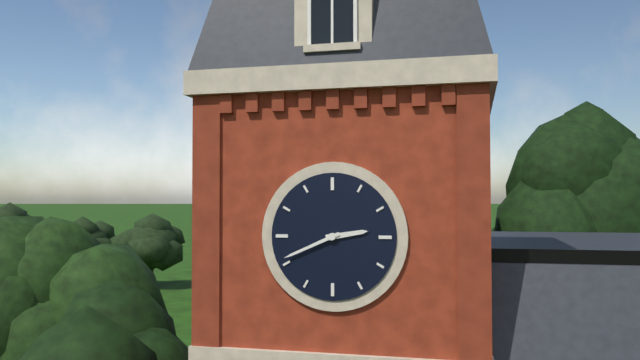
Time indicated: 2h41
